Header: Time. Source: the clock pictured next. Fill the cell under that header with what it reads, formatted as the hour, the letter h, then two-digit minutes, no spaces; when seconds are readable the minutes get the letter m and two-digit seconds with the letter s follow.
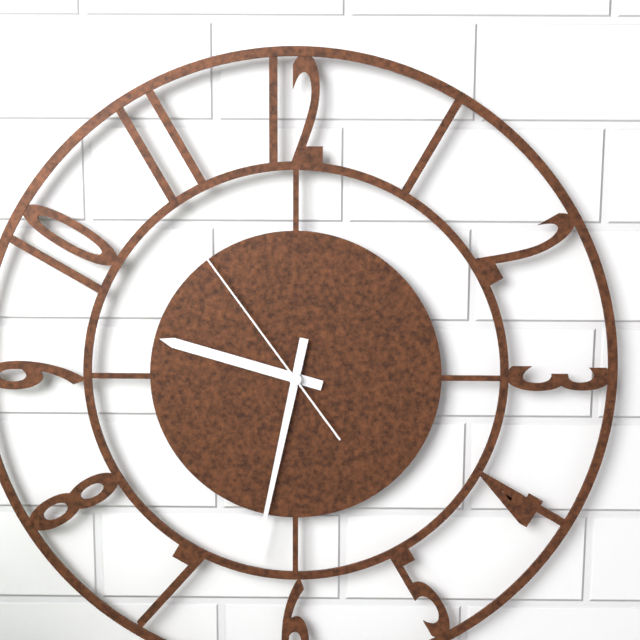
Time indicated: 9h32m54s
